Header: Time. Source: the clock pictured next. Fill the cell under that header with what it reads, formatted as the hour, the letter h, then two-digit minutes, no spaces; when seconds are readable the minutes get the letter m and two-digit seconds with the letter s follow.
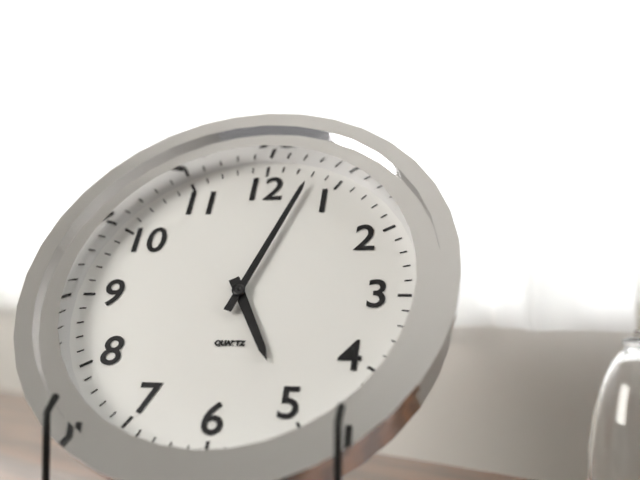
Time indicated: 5h03
